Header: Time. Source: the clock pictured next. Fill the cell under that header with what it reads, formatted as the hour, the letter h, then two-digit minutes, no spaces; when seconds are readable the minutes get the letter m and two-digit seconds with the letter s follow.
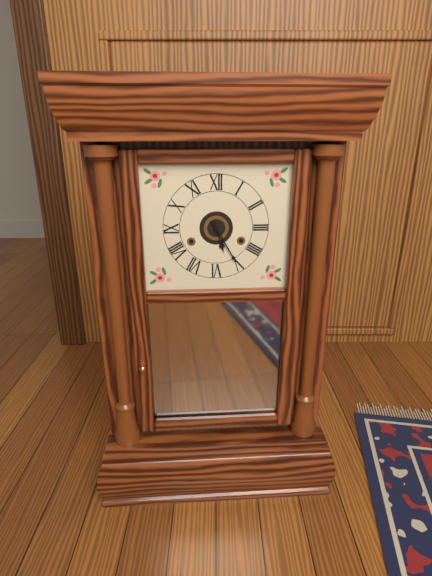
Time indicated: 5h25
